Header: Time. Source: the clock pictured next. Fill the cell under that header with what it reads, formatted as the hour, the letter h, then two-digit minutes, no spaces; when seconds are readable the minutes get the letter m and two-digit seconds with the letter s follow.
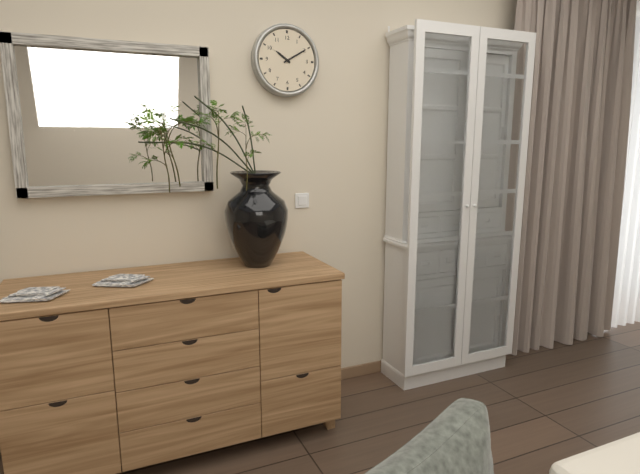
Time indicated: 10h10
